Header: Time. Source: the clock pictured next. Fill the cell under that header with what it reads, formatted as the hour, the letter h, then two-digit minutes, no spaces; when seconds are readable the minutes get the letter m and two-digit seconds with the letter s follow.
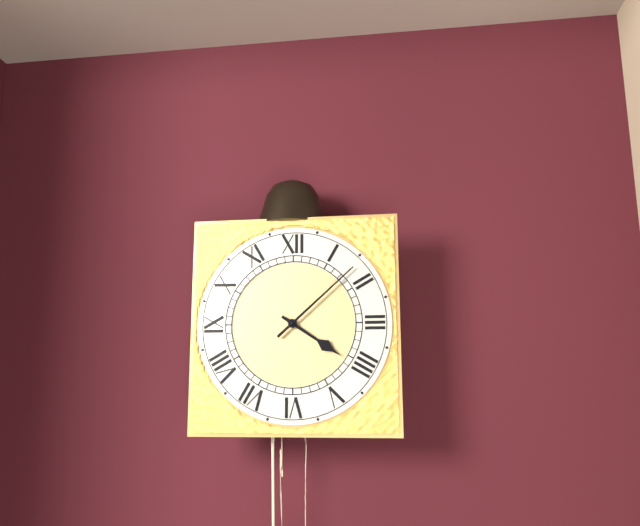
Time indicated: 4h08
